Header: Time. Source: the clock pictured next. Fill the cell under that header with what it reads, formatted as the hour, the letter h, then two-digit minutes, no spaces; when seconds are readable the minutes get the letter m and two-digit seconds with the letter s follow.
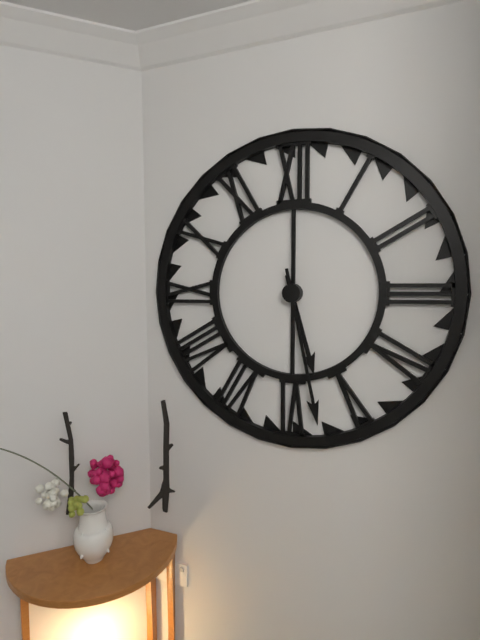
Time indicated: 5h28
